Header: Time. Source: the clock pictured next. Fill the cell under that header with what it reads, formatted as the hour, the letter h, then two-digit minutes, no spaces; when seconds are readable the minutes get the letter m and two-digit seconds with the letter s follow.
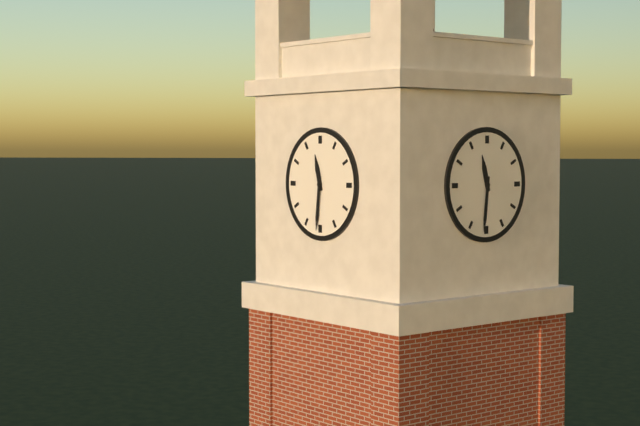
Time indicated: 11h31
